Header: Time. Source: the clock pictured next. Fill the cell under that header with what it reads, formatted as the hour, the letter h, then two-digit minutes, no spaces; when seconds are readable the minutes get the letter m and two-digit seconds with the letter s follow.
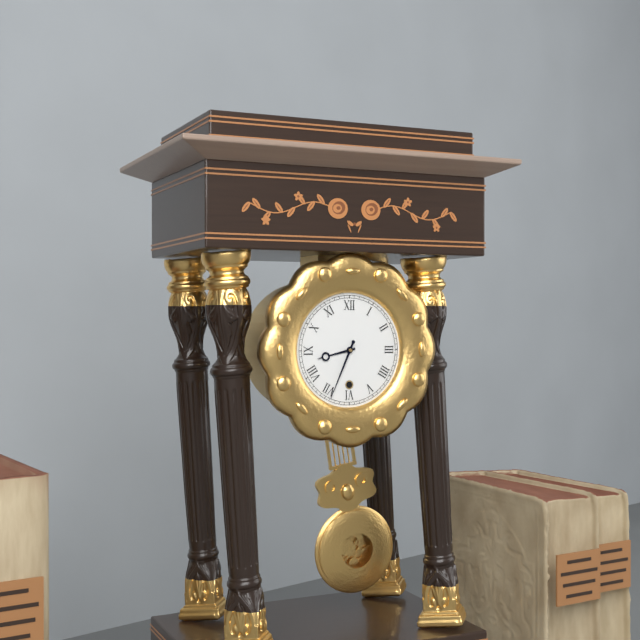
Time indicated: 8h34
